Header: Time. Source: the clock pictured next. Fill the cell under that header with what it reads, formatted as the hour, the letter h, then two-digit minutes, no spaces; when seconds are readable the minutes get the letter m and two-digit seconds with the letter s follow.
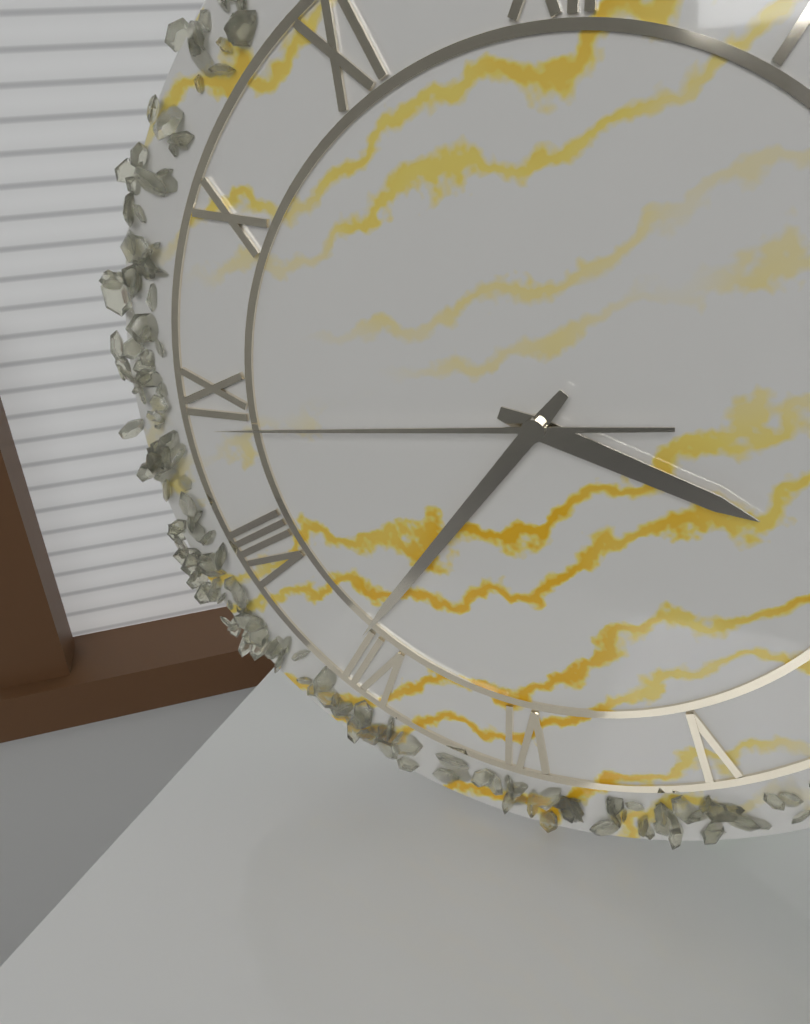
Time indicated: 3h36m44s
